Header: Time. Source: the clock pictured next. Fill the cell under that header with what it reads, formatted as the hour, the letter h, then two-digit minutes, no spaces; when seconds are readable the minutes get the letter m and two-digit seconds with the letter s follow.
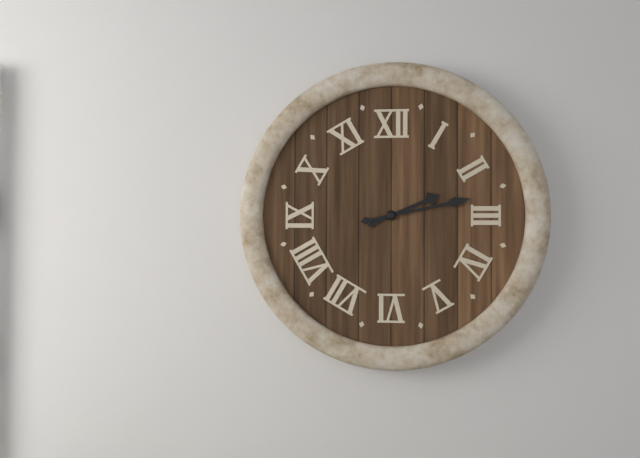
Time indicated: 2h13
